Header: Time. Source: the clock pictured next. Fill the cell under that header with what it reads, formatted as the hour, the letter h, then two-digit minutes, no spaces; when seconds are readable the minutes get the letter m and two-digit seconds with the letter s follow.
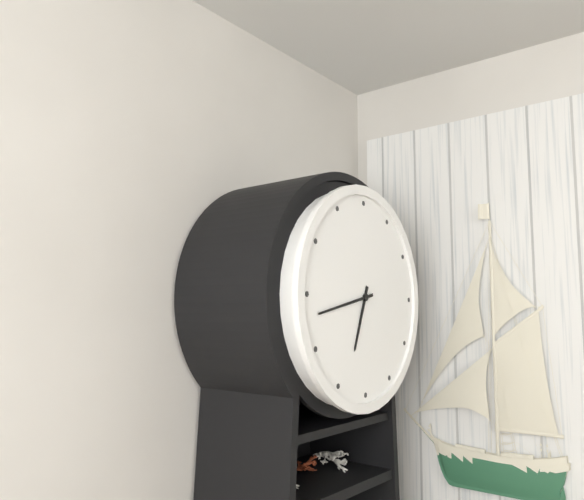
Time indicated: 6h43
